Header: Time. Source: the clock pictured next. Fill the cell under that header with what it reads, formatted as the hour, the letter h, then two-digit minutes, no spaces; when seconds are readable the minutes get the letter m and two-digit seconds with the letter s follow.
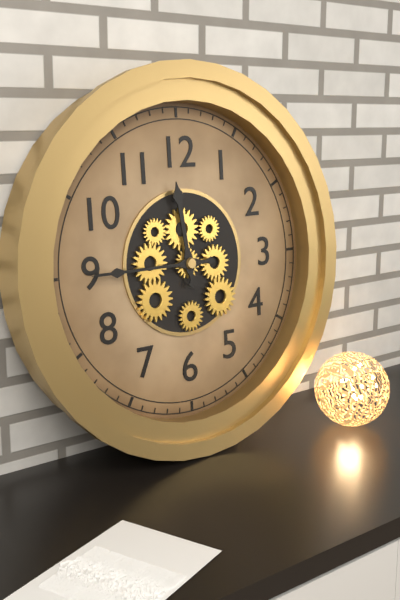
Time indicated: 11h45
